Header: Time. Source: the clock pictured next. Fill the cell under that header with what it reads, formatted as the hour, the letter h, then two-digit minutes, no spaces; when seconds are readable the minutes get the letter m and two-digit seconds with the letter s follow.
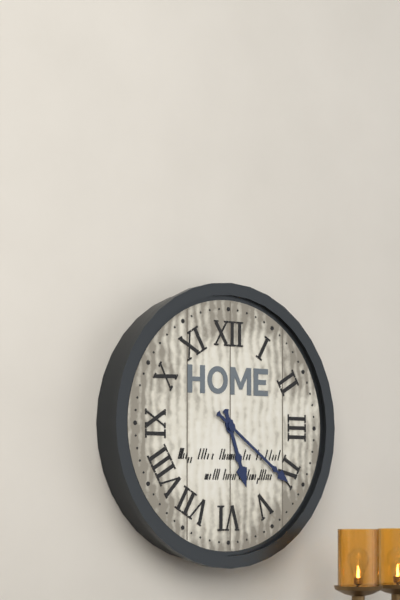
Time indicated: 5h21
